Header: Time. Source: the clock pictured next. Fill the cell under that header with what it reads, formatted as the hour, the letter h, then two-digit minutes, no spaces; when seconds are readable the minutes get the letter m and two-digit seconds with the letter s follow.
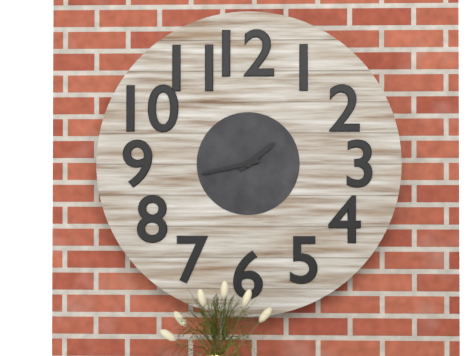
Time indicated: 1h43
